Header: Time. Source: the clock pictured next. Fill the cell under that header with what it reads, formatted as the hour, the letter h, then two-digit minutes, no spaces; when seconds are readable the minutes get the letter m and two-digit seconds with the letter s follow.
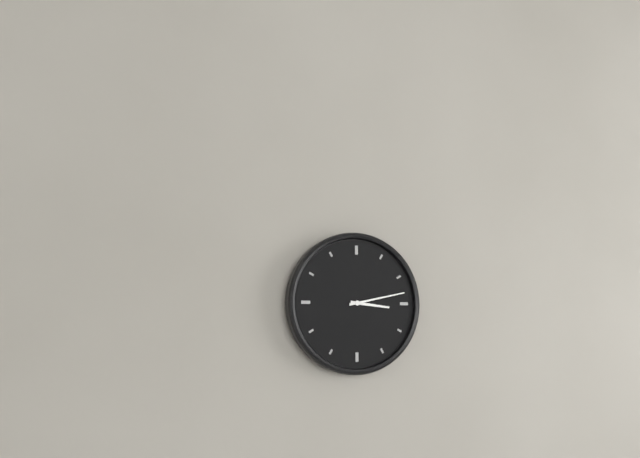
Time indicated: 3h13
